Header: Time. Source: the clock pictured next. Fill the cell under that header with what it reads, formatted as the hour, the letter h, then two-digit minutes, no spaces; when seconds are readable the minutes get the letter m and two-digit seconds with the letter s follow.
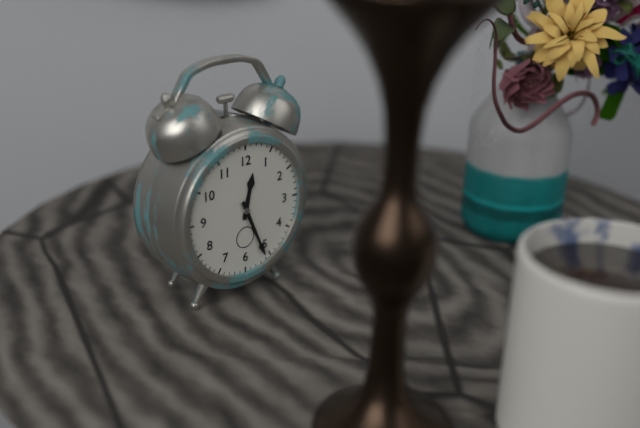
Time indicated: 12h26
